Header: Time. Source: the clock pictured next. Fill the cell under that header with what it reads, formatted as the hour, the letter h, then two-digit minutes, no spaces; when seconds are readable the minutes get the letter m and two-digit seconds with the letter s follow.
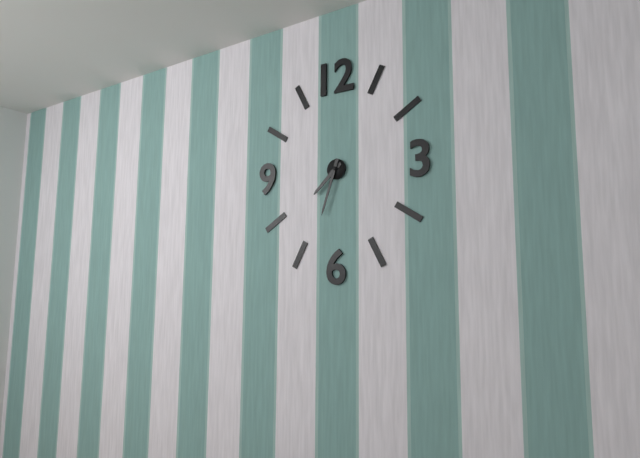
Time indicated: 7h33
